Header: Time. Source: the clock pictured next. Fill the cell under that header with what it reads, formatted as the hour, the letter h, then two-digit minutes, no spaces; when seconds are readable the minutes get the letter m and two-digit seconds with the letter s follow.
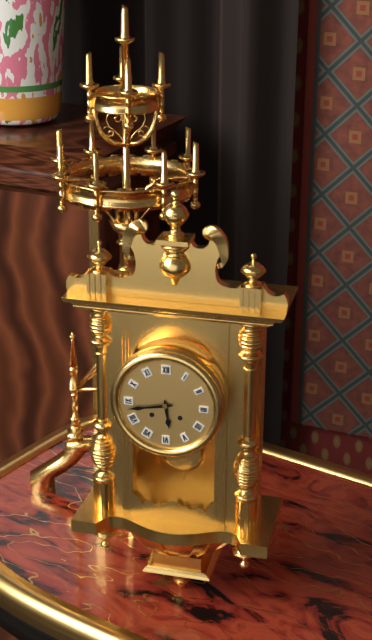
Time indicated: 5h43
